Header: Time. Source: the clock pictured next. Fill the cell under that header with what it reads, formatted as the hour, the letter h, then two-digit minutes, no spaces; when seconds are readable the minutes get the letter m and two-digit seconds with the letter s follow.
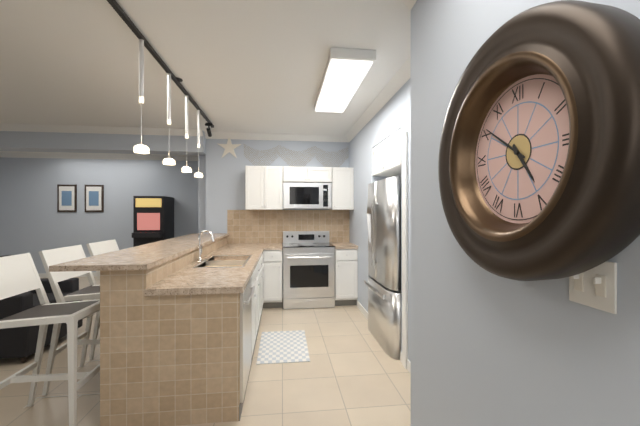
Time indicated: 4h51
